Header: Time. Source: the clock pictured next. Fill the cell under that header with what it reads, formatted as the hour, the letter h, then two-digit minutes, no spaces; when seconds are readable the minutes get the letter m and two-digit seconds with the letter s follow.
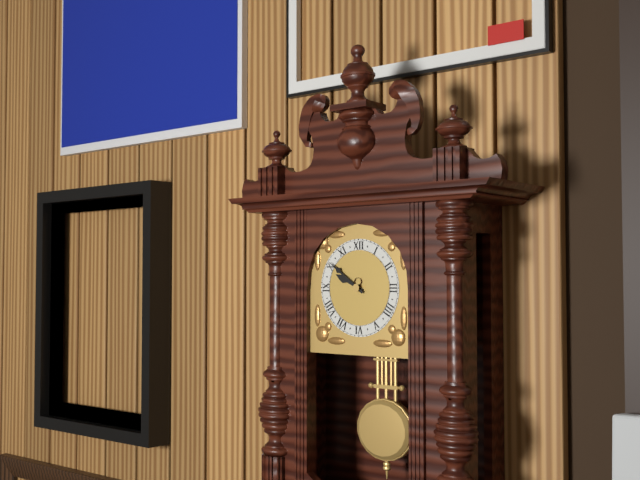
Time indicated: 9h51
